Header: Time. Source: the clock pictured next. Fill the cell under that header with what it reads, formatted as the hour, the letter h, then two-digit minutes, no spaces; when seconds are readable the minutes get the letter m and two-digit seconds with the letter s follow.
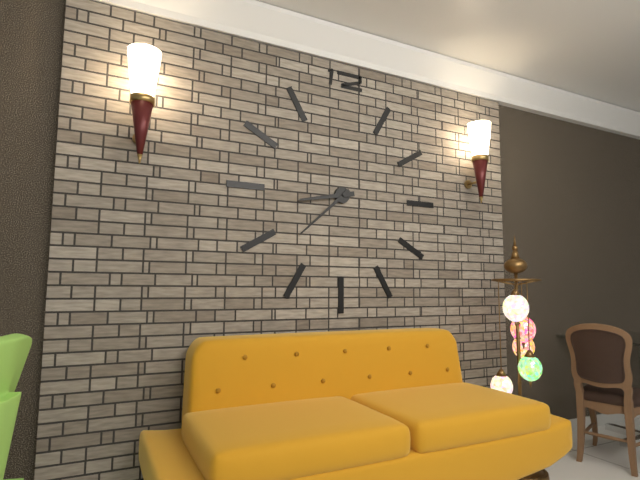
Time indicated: 8h38
